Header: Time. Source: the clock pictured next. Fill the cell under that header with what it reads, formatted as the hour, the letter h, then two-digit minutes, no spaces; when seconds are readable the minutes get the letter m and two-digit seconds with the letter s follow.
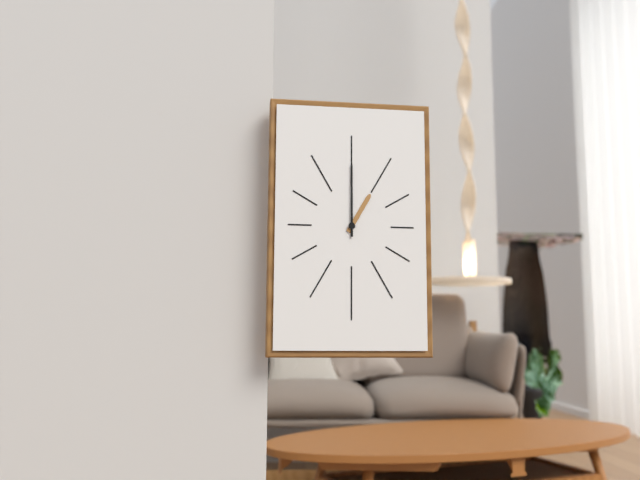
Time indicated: 1h00
